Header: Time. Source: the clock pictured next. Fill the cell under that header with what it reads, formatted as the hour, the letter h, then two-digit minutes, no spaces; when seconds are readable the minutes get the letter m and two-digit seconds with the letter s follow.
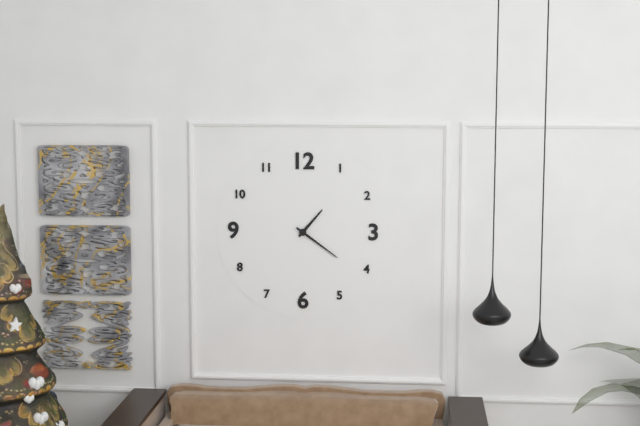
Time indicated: 1h21
